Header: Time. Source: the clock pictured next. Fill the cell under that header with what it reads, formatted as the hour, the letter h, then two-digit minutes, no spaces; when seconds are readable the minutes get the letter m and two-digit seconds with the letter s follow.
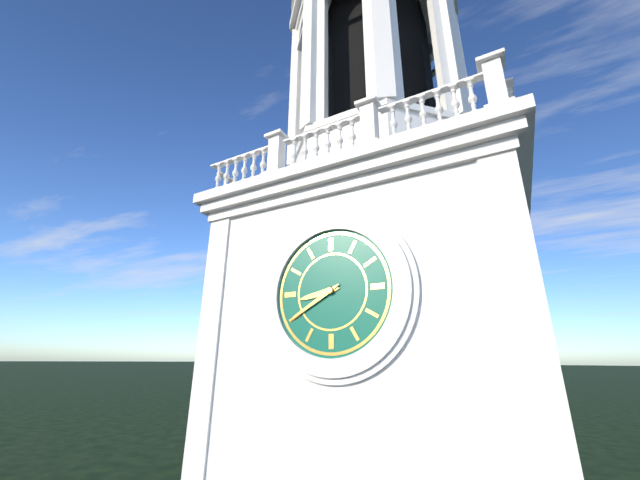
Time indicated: 8h40
